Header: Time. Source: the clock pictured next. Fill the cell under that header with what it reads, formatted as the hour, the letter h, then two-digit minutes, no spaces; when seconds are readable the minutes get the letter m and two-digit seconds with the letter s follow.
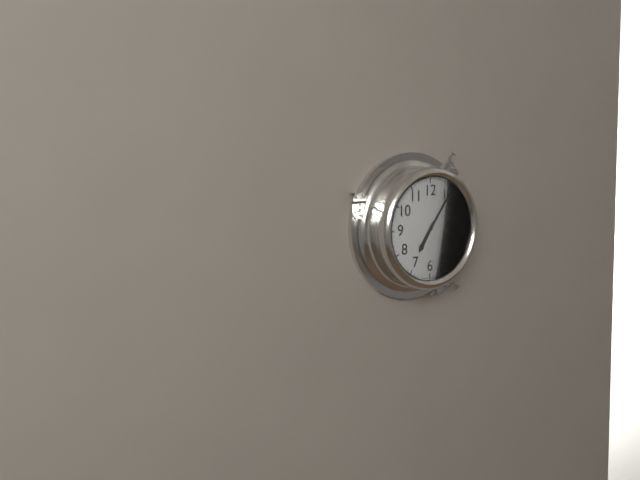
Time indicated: 7h06
